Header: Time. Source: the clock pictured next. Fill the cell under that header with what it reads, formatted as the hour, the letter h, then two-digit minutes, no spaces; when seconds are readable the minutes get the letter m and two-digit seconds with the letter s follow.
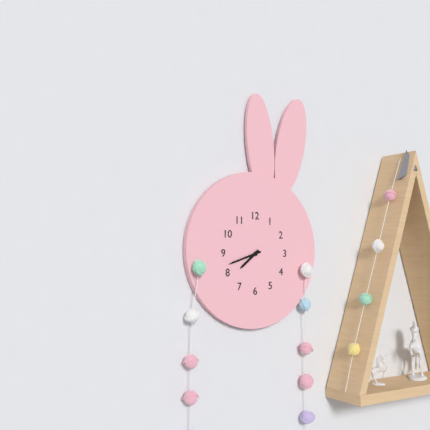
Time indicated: 7h42
